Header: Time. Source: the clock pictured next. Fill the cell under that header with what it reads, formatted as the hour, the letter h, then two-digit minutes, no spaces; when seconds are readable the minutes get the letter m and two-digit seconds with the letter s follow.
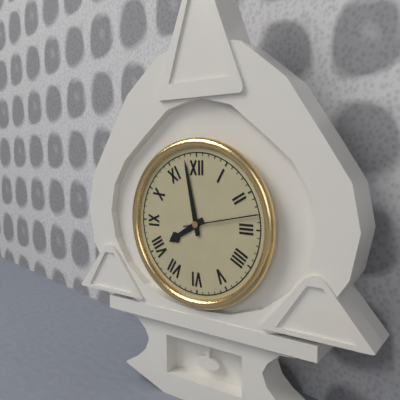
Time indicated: 7h58m13s
